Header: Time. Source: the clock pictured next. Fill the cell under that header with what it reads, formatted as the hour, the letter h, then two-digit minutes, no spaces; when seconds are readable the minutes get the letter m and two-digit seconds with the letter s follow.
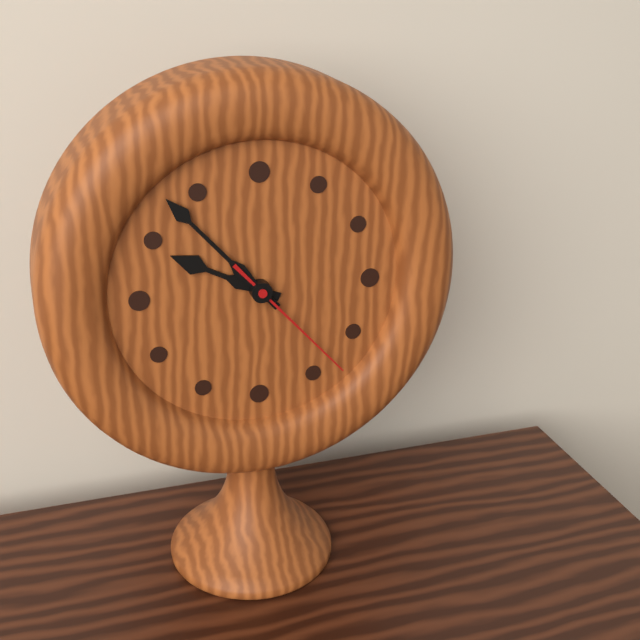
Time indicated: 9h53m23s
